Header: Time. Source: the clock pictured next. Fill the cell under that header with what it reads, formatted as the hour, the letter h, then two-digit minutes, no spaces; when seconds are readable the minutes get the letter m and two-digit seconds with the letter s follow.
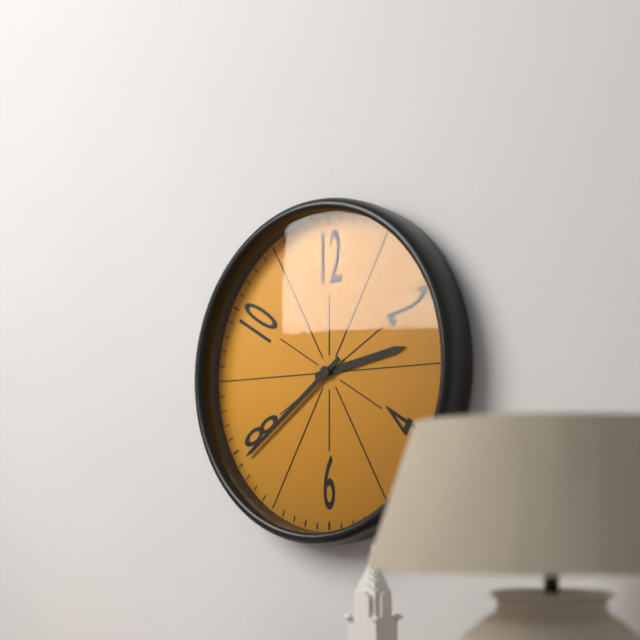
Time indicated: 2h39
